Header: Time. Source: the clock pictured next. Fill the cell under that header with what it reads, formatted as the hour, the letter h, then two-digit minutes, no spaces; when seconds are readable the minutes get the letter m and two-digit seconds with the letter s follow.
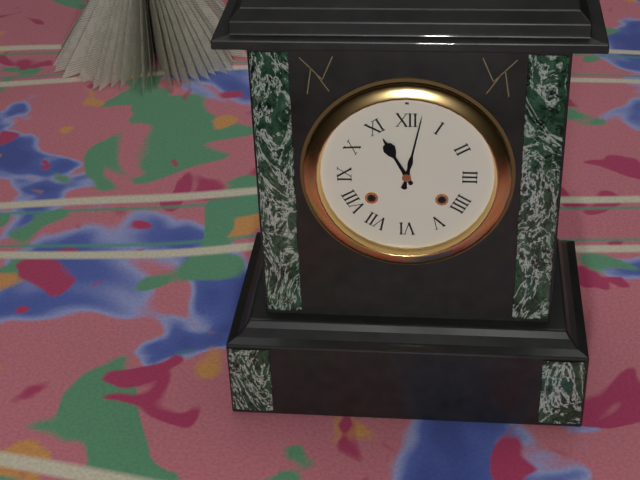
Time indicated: 11h02
